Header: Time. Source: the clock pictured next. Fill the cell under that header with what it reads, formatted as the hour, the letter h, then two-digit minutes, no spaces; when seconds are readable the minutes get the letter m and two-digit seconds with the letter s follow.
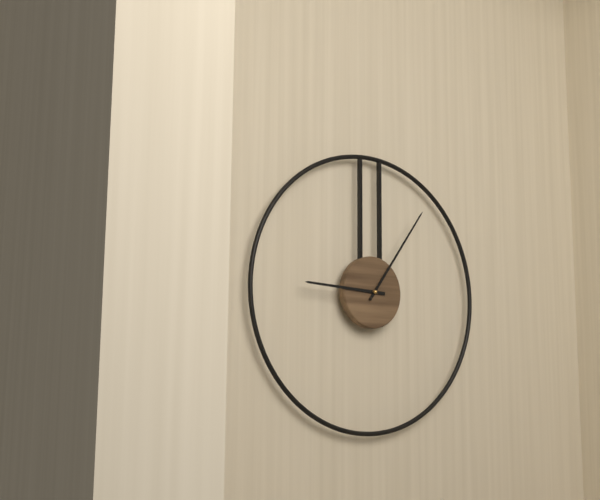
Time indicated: 9h06
